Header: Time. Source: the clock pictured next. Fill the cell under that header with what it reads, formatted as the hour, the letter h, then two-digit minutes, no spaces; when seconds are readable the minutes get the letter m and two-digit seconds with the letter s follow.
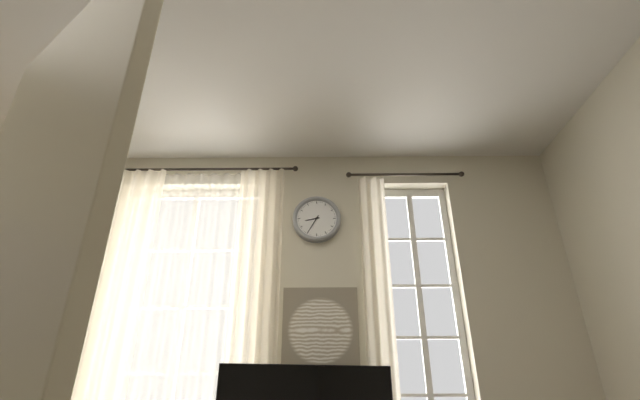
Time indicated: 8h35
